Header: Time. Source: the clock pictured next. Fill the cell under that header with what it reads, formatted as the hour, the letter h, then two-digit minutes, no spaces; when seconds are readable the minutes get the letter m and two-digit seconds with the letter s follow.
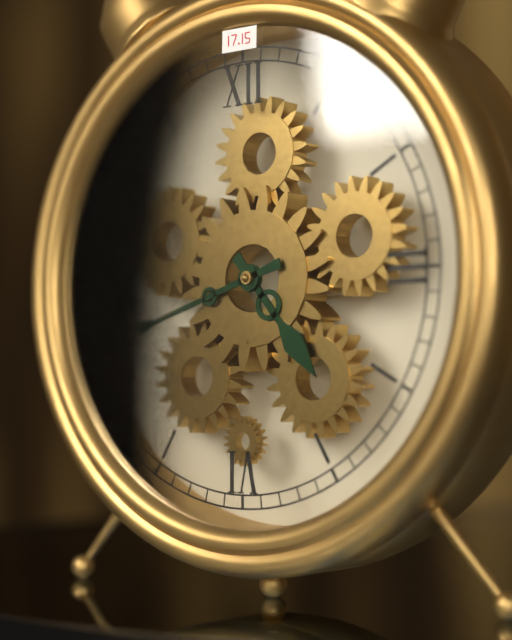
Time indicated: 4h42
